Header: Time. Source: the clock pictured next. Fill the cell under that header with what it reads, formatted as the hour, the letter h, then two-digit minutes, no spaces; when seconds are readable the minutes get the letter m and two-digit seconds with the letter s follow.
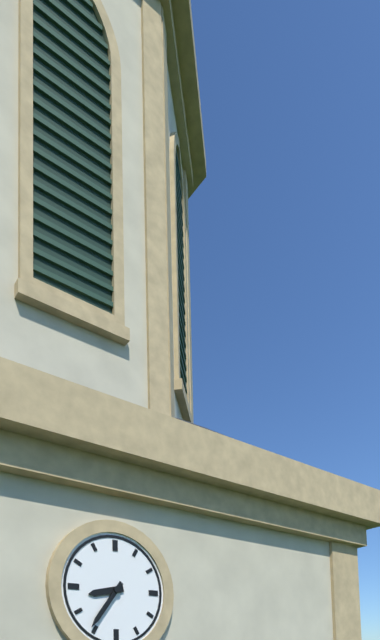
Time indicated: 8h36
